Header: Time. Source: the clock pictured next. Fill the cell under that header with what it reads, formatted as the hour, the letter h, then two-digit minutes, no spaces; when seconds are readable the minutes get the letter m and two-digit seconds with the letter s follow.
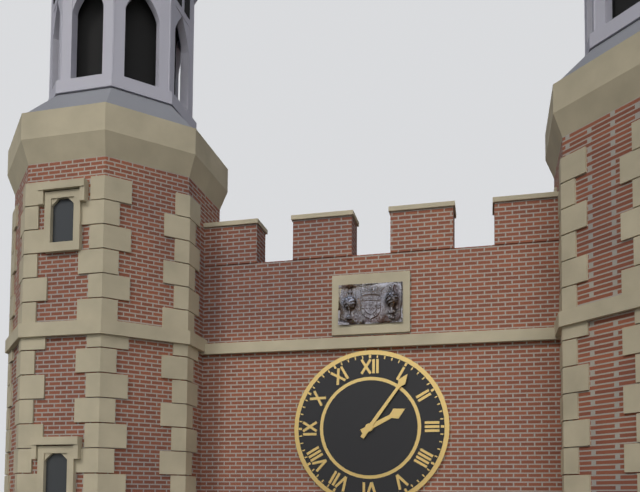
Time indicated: 2h06
